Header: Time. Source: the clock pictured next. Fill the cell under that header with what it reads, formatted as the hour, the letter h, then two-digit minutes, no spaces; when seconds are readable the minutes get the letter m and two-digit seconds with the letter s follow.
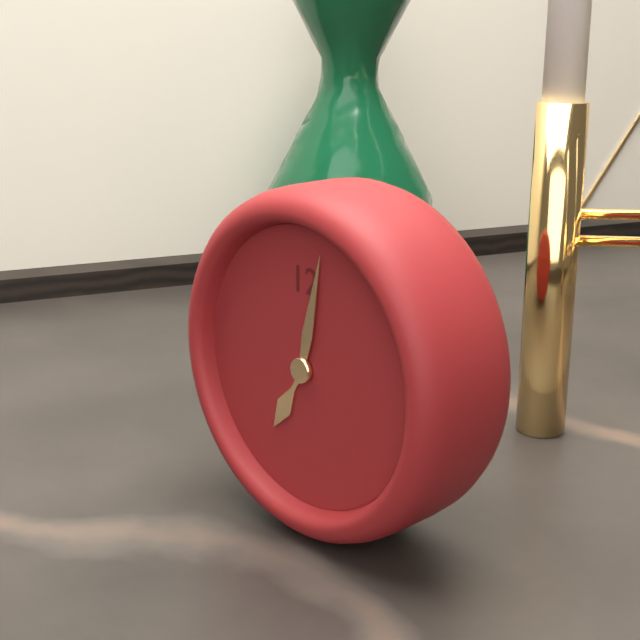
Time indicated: 7h02
